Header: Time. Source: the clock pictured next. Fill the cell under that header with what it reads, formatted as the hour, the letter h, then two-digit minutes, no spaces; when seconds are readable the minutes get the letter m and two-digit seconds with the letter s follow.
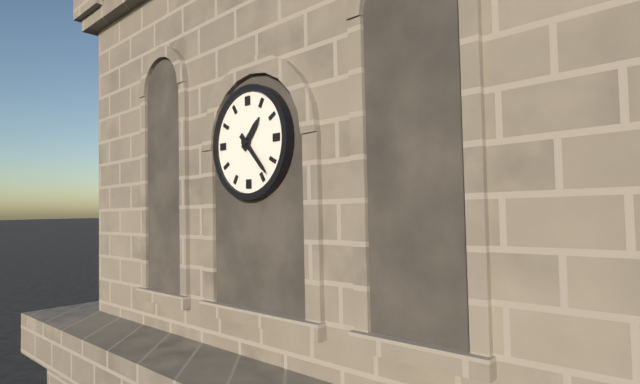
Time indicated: 1h23
